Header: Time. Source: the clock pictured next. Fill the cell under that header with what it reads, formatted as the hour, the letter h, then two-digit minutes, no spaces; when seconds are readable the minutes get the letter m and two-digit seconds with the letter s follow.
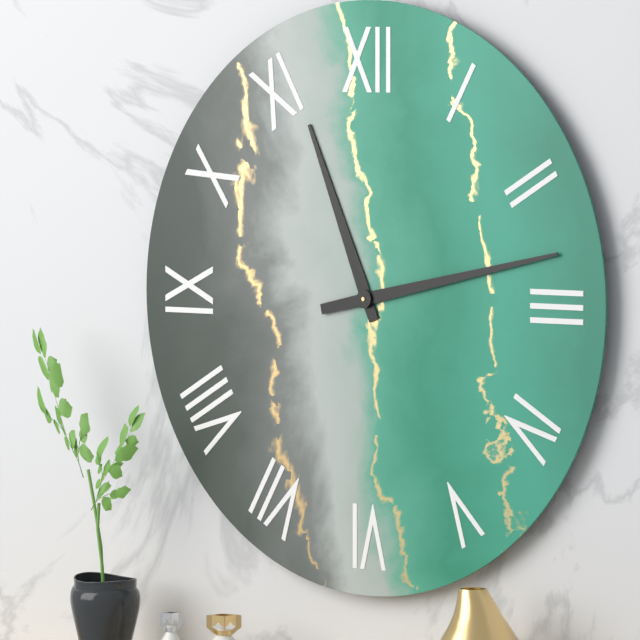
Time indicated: 11h13
